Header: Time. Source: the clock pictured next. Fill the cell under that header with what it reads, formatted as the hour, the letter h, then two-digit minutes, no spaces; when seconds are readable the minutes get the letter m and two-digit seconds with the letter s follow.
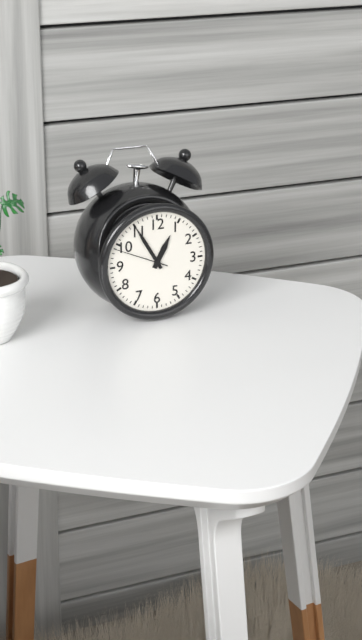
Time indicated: 12h55m49s
